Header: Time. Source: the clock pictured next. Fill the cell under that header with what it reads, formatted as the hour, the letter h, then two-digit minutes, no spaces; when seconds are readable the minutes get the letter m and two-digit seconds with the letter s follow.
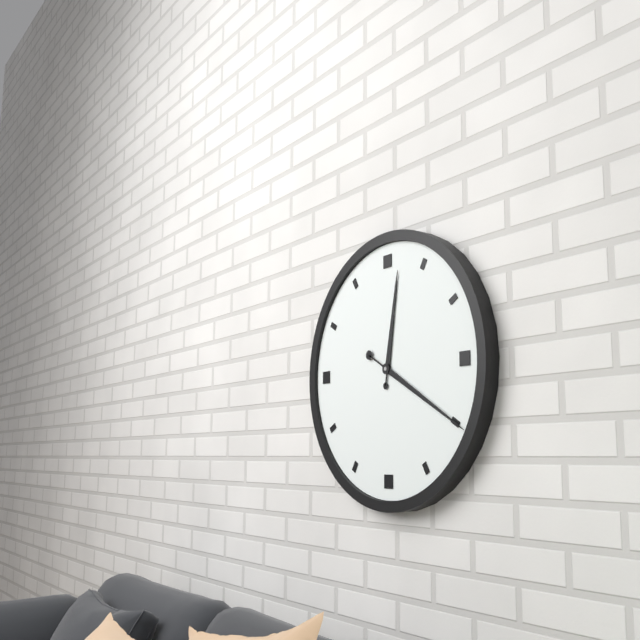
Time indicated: 12h20
